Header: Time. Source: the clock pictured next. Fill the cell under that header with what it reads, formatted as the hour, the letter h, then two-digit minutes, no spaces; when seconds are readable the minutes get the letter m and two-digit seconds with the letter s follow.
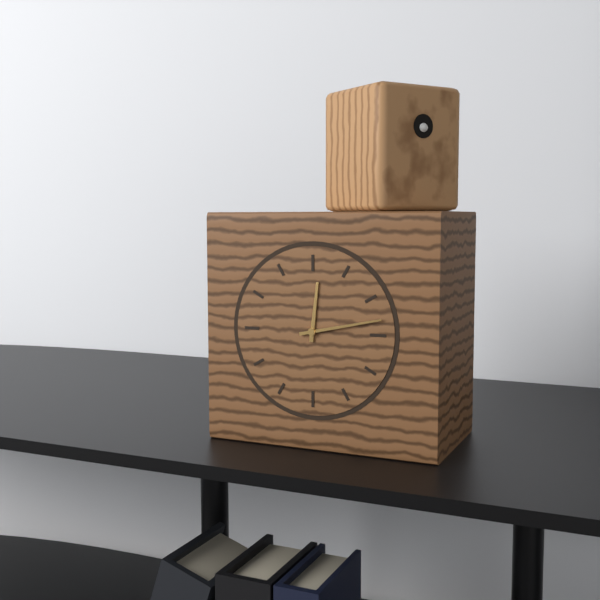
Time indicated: 12h13
